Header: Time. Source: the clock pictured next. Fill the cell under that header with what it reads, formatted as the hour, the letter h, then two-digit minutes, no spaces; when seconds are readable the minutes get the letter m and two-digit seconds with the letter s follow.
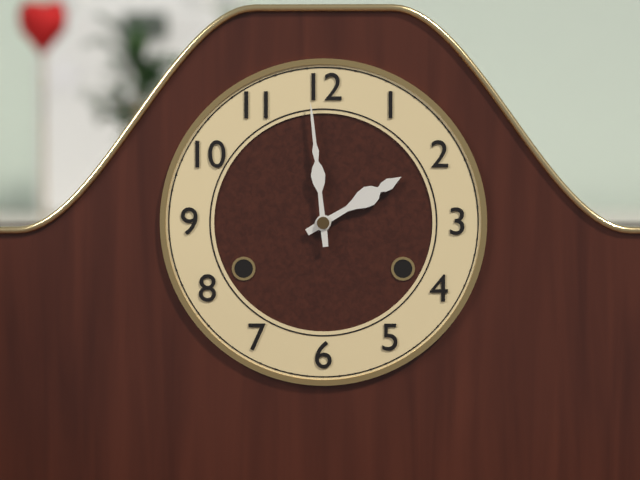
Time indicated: 1h59
